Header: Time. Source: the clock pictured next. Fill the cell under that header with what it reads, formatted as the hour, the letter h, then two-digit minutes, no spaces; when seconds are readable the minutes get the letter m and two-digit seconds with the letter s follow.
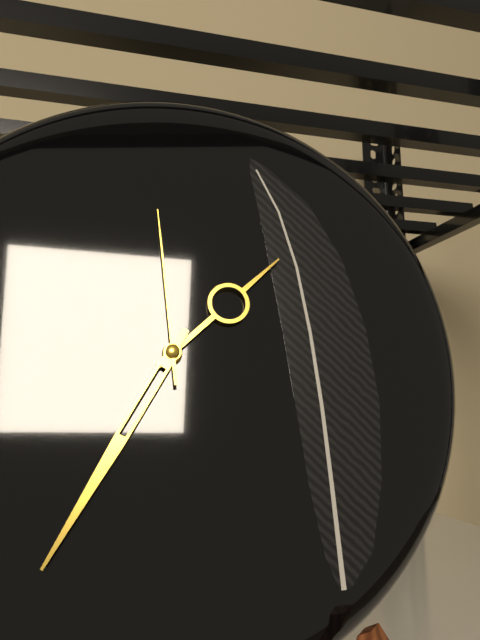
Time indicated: 1h35m59s
